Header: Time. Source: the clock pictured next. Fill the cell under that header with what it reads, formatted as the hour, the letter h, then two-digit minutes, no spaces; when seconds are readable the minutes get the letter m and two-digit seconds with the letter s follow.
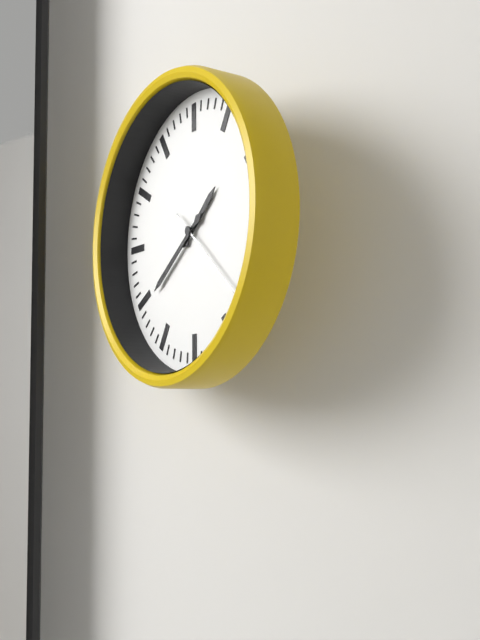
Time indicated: 1h39m22s
